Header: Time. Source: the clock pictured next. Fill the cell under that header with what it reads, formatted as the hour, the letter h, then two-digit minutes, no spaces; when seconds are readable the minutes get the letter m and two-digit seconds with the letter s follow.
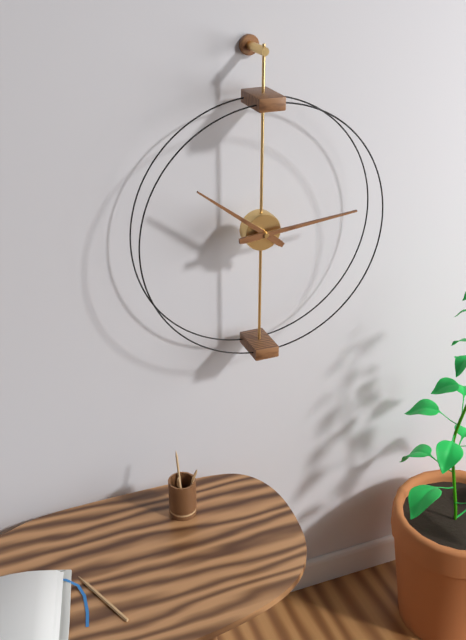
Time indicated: 10h14
